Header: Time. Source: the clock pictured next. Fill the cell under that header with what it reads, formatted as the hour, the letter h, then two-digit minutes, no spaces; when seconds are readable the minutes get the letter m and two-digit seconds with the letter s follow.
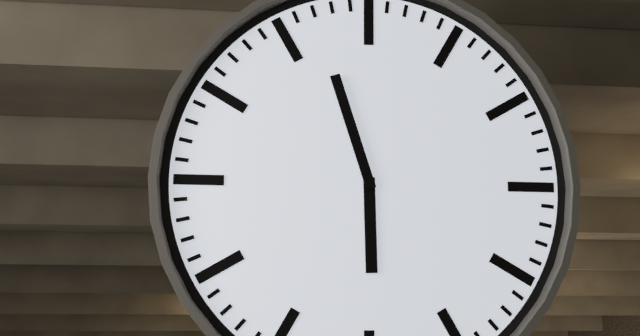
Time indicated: 5h57
